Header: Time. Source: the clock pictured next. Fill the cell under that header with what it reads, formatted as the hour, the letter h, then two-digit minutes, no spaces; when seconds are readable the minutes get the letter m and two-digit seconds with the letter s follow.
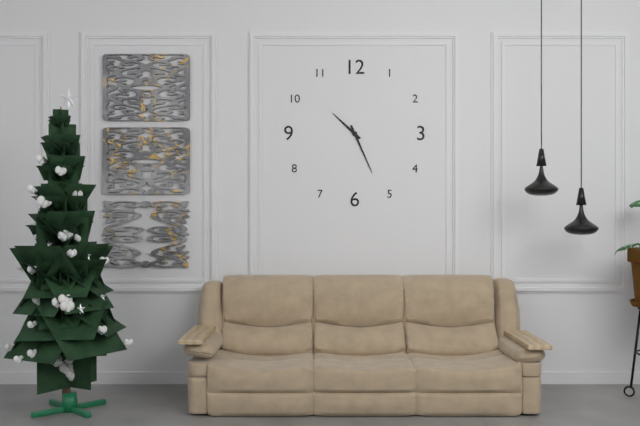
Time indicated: 10h26
